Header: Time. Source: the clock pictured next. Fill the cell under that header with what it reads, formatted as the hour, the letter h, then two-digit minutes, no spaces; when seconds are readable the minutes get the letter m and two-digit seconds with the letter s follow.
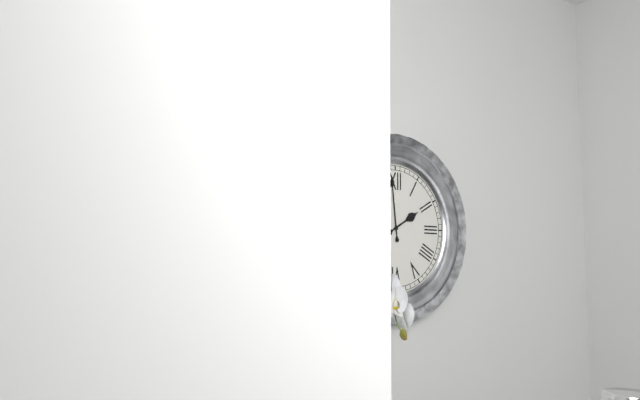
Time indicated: 1h59
